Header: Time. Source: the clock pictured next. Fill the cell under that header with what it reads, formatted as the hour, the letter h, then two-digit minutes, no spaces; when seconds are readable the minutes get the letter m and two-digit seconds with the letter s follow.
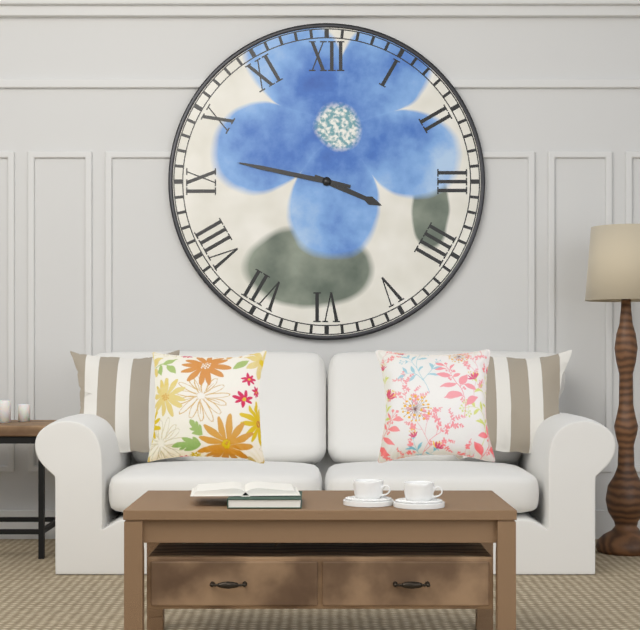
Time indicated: 3h47
